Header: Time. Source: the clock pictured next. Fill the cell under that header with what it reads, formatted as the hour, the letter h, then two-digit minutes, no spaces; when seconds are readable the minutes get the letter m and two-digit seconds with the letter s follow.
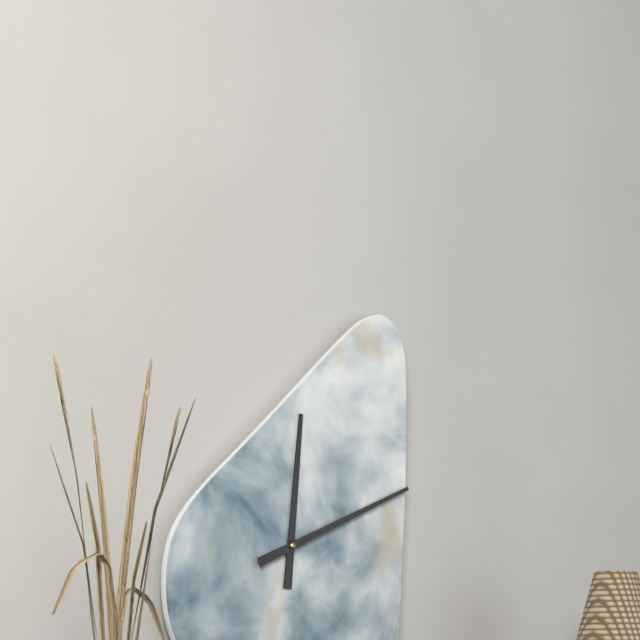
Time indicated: 12h11
